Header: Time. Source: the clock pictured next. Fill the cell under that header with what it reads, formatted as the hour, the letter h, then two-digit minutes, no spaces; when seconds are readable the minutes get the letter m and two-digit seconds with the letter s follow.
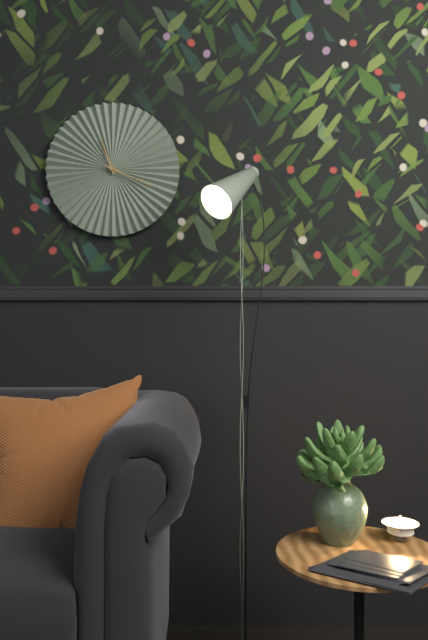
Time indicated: 11h19
